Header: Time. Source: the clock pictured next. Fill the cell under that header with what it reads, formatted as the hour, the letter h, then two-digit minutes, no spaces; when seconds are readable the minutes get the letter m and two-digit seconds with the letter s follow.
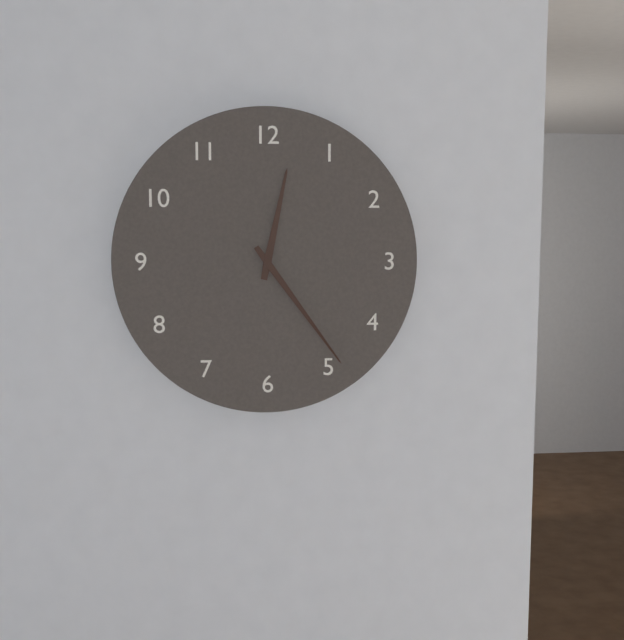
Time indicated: 12h24
